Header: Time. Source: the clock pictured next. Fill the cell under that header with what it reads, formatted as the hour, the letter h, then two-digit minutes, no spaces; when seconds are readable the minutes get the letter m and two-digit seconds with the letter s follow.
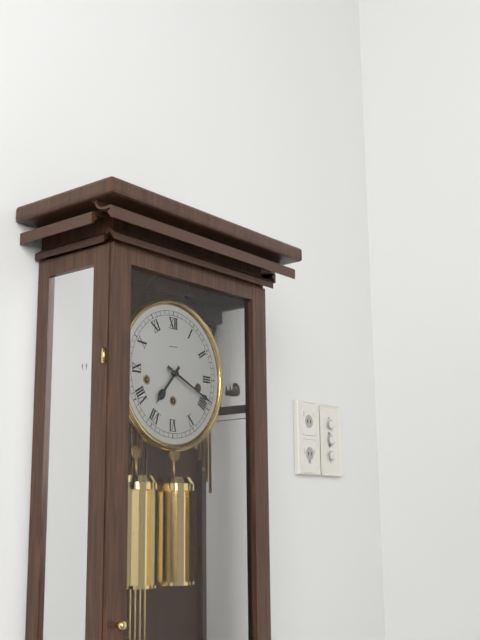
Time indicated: 7h19
